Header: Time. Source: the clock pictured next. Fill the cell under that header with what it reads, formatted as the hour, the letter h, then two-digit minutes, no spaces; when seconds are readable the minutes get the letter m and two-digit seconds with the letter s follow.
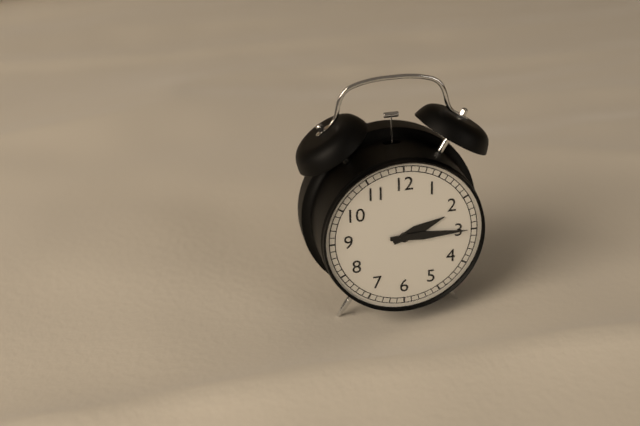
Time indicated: 2h15
